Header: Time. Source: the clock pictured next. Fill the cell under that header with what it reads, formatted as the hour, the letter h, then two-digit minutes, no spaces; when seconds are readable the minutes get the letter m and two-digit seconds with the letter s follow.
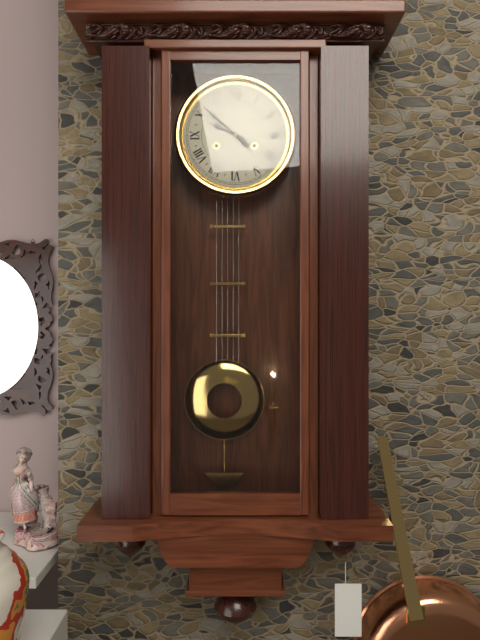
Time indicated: 9h52
